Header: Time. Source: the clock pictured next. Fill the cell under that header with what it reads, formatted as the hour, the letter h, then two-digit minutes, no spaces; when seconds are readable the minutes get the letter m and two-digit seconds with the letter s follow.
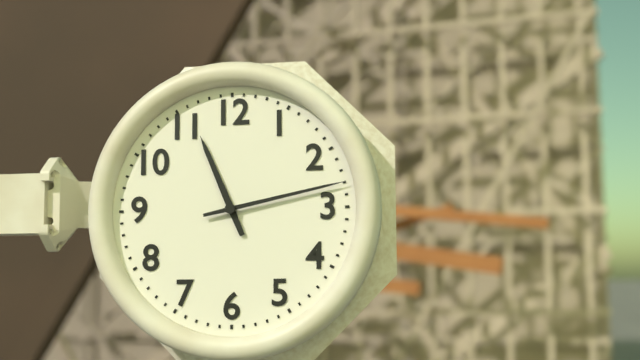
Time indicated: 11h13
